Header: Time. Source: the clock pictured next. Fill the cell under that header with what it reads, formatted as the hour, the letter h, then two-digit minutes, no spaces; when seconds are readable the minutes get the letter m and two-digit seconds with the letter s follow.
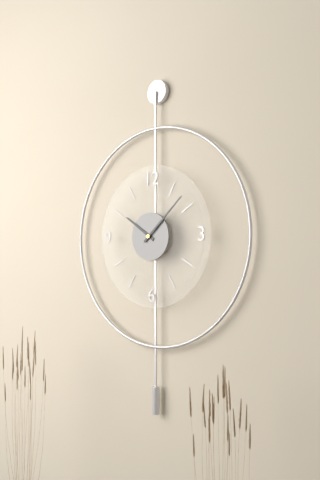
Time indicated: 10h08
